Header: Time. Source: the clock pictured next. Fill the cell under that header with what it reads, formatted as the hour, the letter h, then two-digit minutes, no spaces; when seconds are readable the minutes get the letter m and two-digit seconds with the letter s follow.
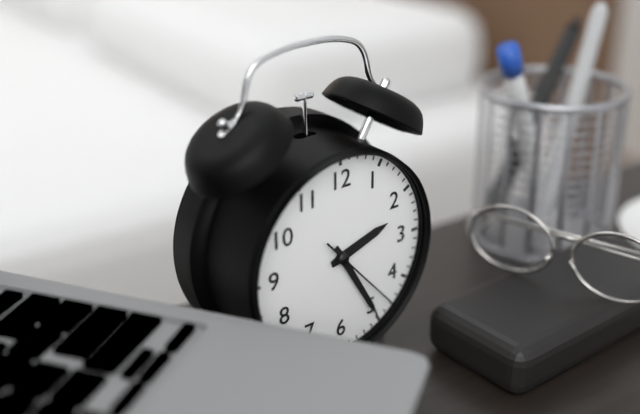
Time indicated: 2h25m23s
